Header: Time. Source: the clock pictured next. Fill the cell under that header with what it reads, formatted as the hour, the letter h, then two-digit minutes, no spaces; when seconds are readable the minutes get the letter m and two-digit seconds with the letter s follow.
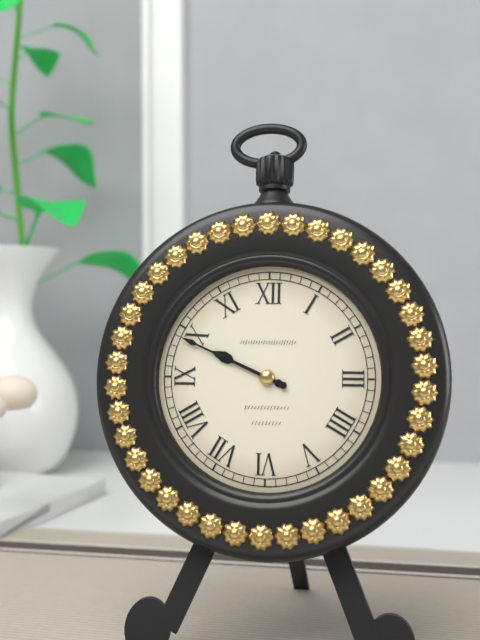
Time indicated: 9h49
